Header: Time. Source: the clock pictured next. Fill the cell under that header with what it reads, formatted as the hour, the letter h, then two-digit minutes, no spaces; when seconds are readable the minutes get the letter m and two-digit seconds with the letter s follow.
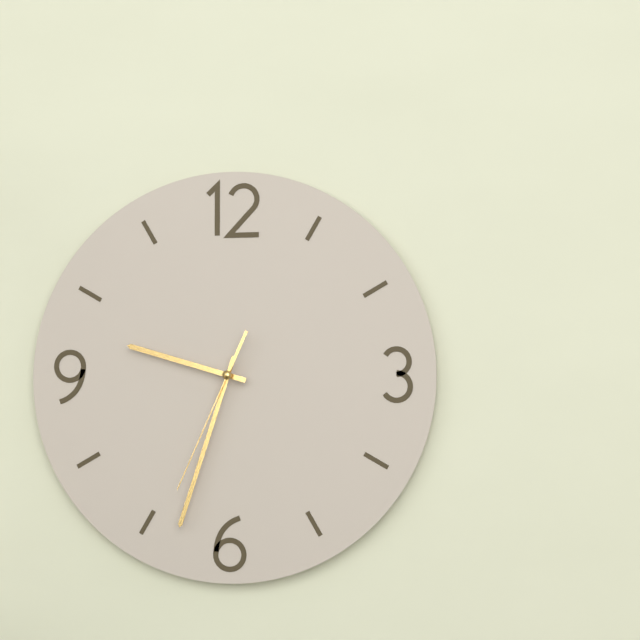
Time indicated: 9h33m34s
